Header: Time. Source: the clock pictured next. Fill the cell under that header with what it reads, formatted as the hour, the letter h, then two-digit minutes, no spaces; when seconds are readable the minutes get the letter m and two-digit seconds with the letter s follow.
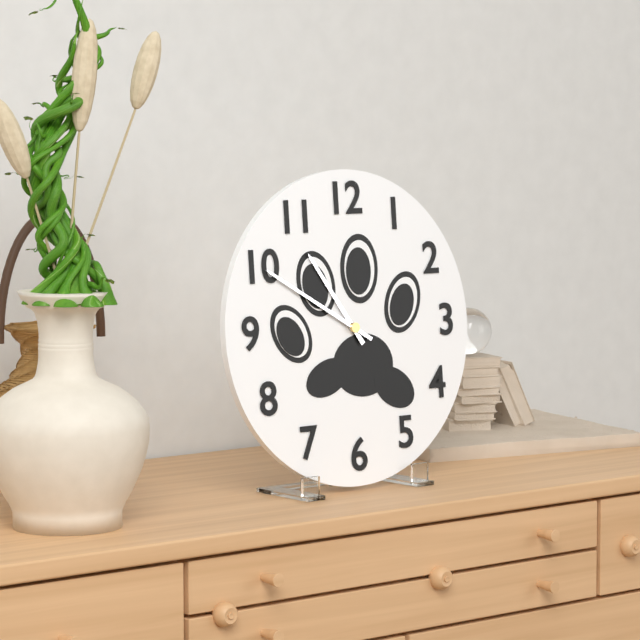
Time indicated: 10h50
